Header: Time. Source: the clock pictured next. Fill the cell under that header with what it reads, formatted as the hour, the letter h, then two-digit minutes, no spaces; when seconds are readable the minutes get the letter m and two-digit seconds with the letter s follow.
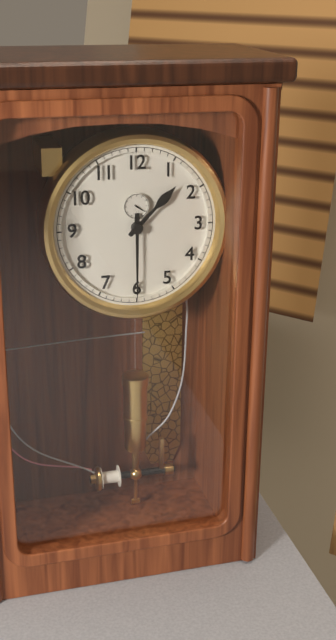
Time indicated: 1h30
